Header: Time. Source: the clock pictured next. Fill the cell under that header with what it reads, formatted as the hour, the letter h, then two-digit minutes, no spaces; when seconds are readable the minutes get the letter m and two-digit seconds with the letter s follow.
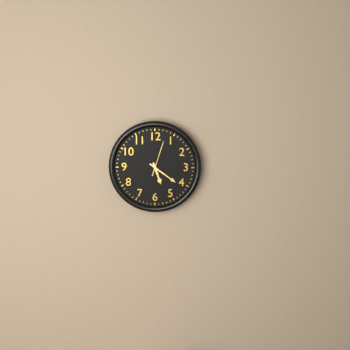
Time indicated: 5h21
